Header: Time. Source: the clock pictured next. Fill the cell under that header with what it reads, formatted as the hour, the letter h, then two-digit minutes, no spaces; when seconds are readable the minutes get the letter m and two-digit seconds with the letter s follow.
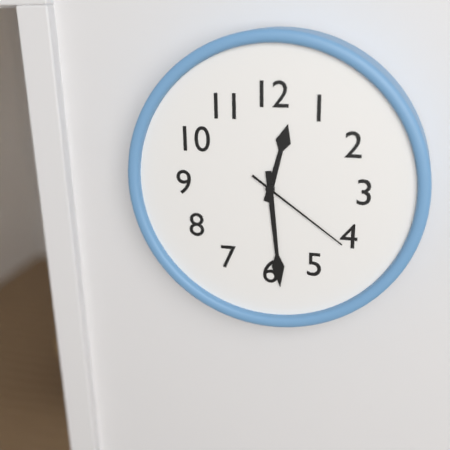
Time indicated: 12h29m21s
